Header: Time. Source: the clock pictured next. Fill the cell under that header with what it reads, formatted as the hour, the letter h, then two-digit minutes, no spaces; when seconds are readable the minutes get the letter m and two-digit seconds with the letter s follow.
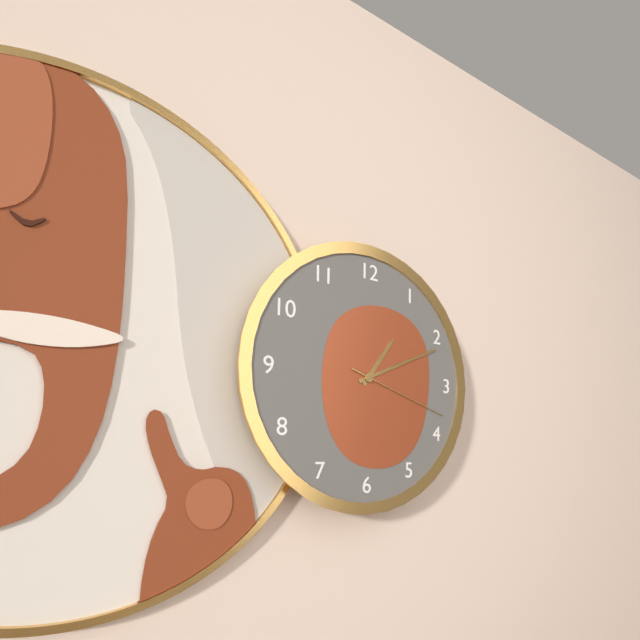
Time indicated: 1h11m18s
